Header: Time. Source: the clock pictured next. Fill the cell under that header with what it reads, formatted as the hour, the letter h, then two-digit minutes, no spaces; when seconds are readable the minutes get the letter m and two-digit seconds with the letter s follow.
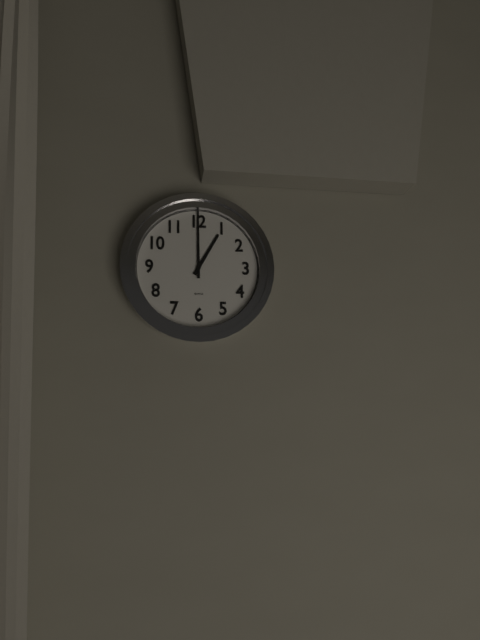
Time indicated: 1h00
